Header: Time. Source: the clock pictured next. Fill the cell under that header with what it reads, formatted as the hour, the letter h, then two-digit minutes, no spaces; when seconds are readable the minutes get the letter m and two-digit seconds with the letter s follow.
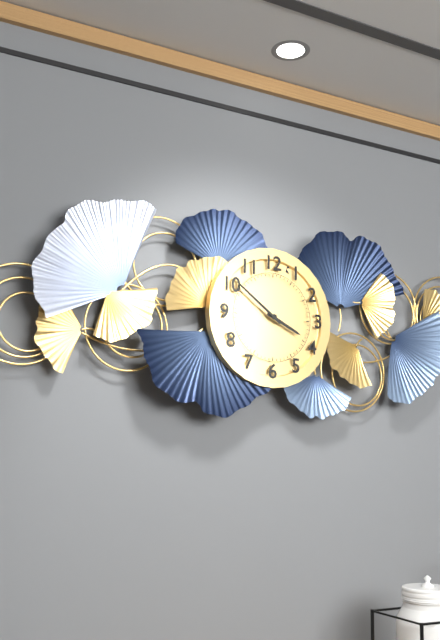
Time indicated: 3h51
